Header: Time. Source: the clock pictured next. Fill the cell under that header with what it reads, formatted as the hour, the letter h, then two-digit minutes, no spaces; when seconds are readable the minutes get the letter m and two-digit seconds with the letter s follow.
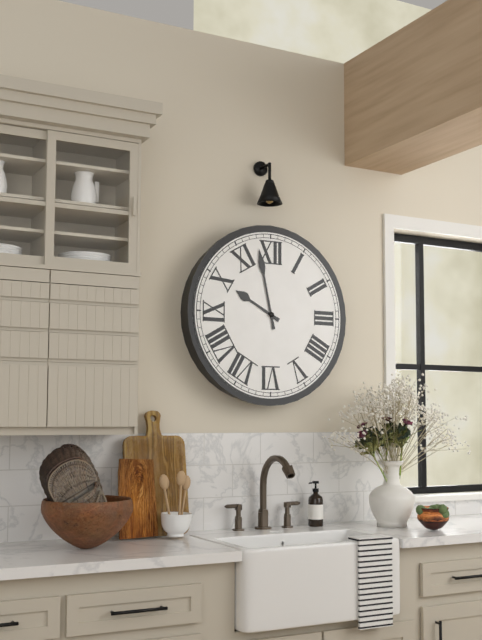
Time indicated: 9h58
